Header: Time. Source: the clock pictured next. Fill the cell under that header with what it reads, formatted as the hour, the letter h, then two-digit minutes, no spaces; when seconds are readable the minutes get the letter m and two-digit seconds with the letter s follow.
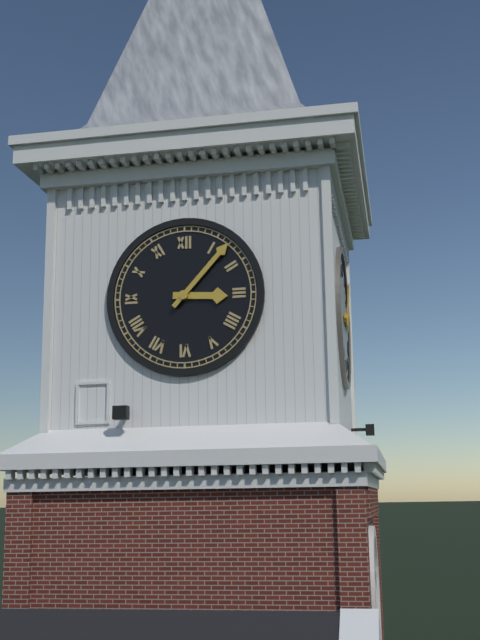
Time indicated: 3h07
